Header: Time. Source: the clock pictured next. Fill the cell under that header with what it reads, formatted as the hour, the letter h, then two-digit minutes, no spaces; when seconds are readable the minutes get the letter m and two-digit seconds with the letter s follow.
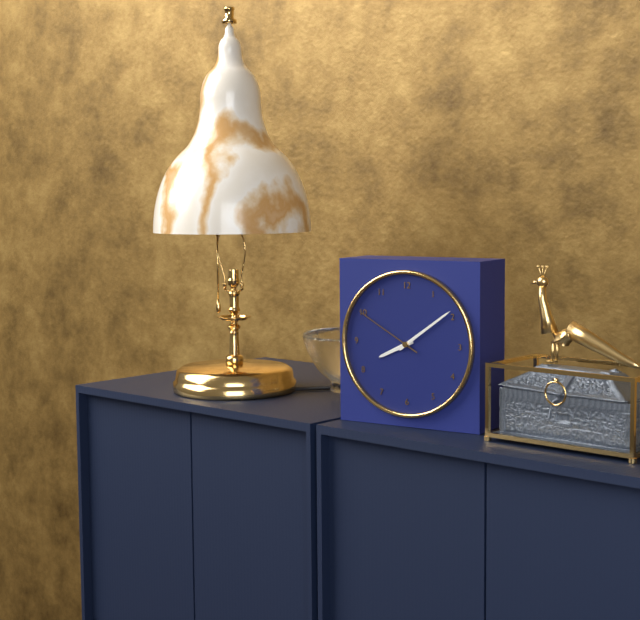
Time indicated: 8h09m50s
